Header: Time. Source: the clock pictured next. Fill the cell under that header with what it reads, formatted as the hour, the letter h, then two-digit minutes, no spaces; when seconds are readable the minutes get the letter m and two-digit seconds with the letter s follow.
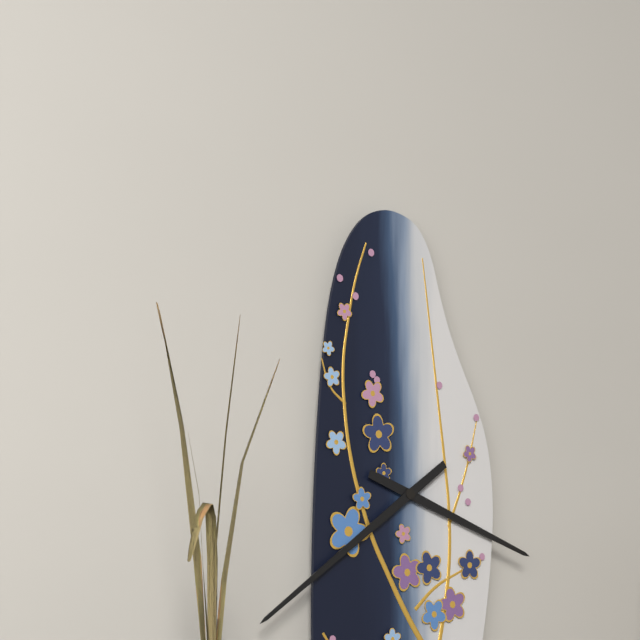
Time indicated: 3h39
